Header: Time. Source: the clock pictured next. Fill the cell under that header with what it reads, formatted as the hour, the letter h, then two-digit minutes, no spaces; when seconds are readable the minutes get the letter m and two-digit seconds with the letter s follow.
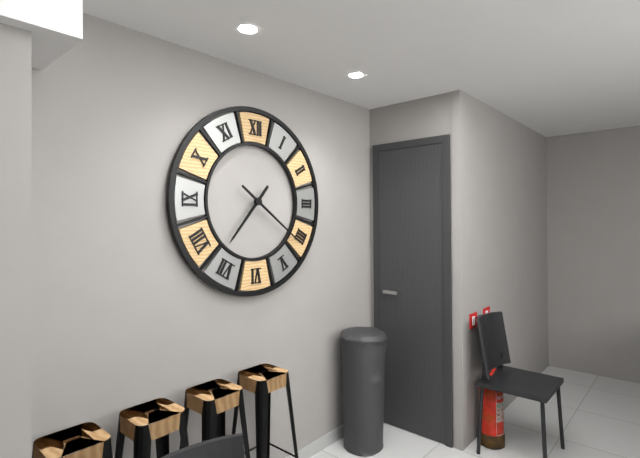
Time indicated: 7h21
